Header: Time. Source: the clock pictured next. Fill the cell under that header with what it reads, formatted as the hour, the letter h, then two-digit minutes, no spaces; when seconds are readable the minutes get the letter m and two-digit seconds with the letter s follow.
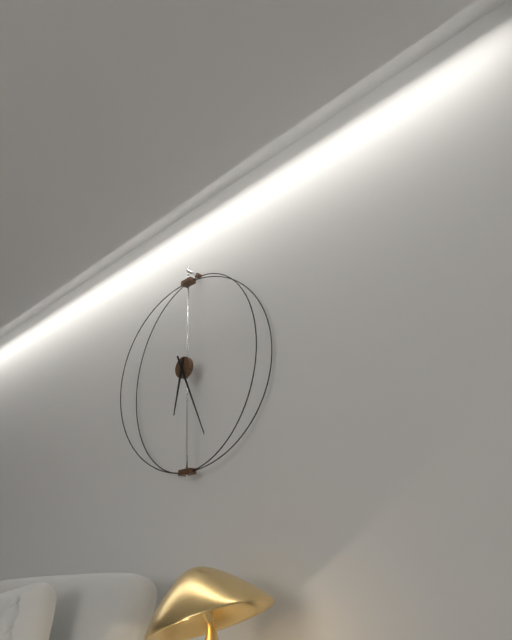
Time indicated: 6h26
